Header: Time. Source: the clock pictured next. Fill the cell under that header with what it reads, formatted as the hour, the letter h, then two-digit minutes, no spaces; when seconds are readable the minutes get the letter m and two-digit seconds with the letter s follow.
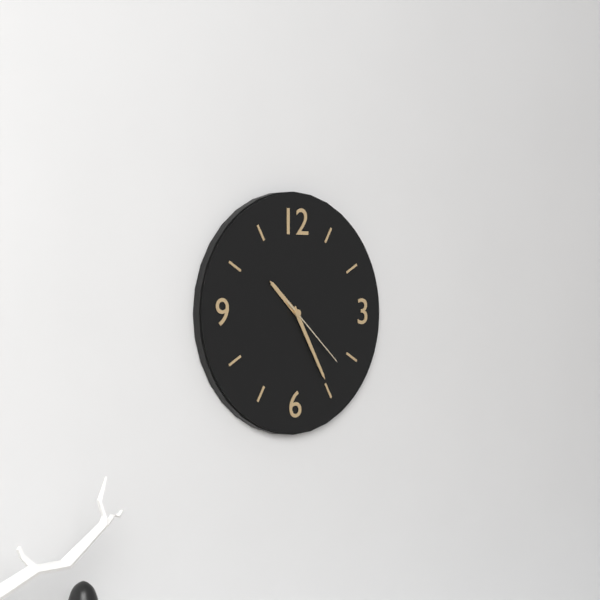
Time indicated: 10h25m22s
